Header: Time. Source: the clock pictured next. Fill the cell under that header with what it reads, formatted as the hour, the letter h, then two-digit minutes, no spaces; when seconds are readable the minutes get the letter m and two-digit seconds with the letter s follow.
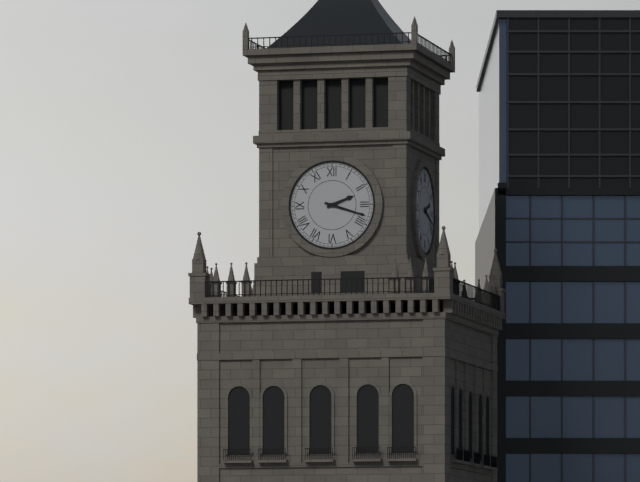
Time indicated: 2h18
